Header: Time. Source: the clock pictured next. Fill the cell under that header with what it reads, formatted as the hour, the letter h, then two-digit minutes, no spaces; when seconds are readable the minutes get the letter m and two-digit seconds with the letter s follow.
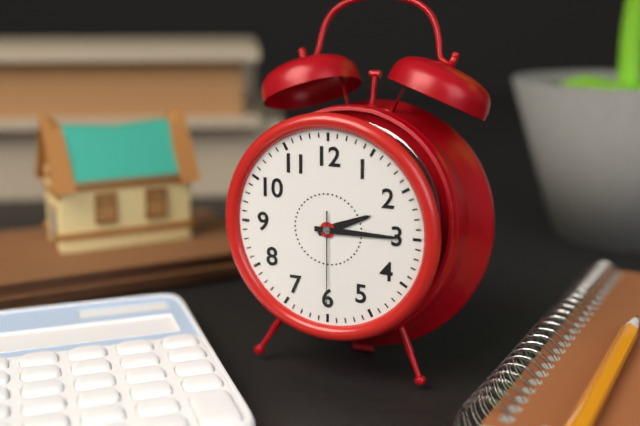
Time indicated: 2h15m30s
